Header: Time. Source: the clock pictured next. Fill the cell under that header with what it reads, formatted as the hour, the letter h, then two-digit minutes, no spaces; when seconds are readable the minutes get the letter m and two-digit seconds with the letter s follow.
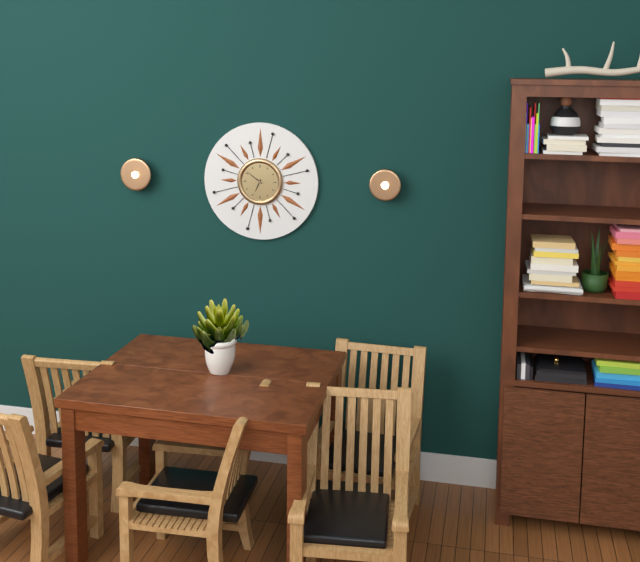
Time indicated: 6h51
